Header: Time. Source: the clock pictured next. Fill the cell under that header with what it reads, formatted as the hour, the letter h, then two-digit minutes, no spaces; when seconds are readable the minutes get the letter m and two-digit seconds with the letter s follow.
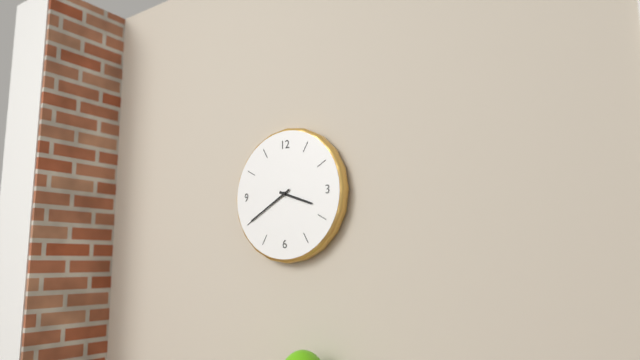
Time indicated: 3h40
